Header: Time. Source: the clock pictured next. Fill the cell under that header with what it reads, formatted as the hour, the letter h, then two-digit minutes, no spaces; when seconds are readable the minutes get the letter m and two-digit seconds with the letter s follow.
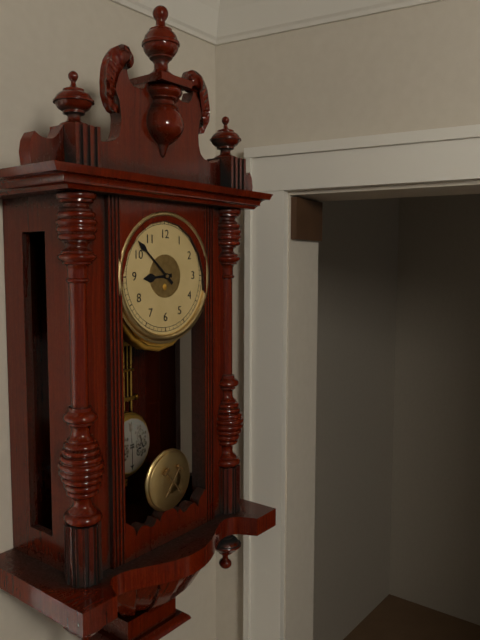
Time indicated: 8h52
